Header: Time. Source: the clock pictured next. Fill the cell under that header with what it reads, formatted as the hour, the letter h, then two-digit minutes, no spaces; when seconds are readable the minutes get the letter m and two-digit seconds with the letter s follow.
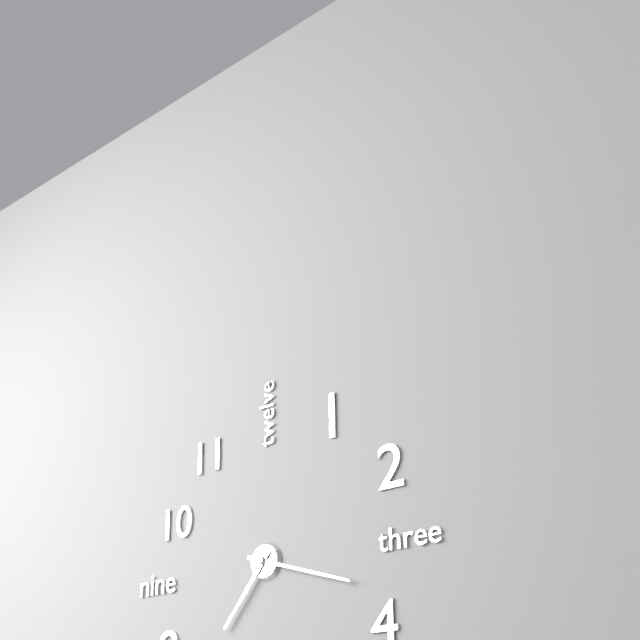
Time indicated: 7h18
